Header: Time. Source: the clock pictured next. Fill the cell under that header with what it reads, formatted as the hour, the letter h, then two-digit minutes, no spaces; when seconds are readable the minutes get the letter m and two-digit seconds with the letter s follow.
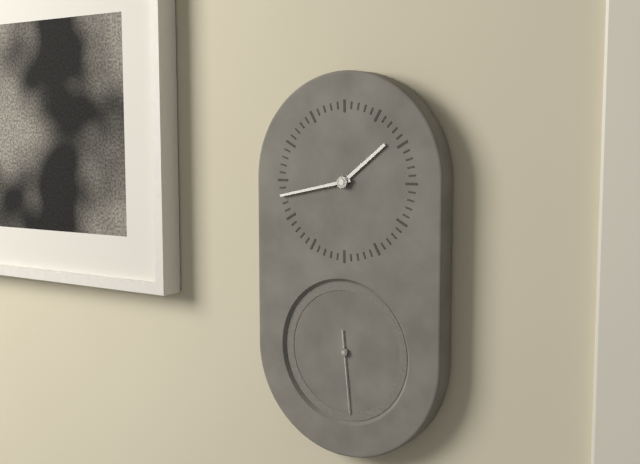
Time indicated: 1h43m29s
